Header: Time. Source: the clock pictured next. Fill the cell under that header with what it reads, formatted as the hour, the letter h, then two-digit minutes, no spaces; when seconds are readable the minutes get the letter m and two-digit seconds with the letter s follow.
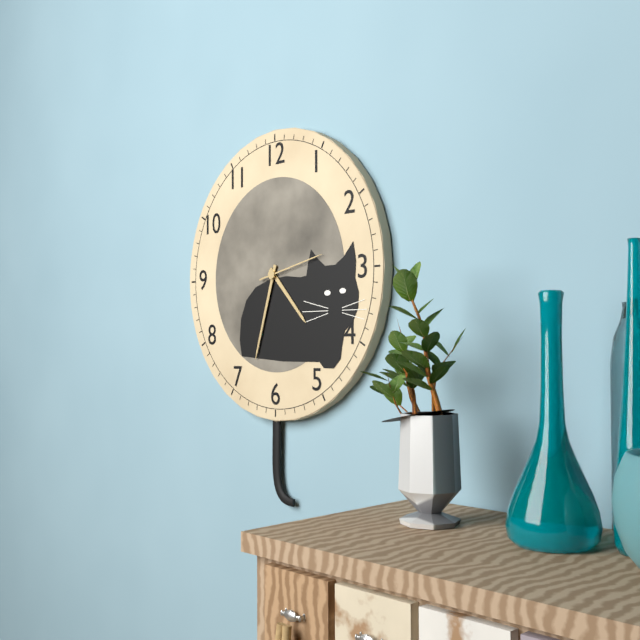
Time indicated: 4h33m13s
